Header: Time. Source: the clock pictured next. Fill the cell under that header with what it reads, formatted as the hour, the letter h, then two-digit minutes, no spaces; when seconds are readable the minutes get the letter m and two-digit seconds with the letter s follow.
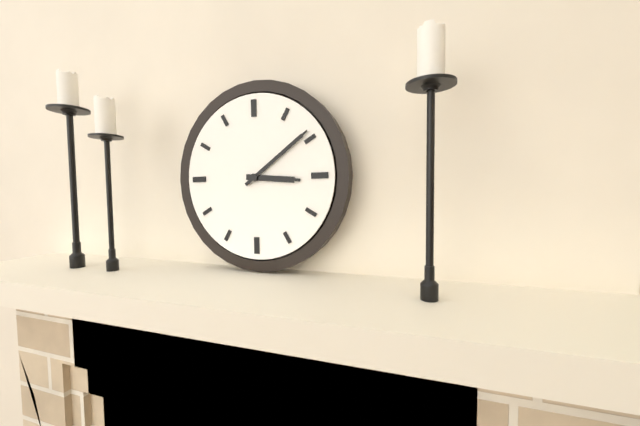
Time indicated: 3h09
